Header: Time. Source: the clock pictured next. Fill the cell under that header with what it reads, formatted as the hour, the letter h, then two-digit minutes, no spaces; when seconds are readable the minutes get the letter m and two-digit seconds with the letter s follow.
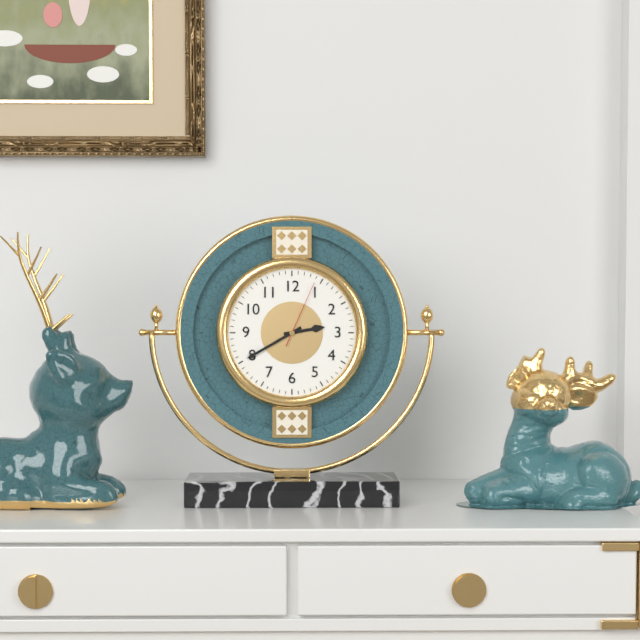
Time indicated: 2h40m04s
